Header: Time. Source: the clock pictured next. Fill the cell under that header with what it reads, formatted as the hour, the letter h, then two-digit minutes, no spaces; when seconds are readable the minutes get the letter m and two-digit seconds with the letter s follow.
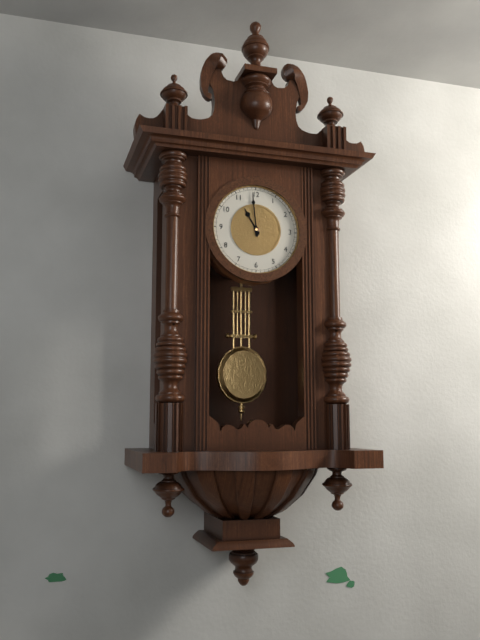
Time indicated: 10h59
